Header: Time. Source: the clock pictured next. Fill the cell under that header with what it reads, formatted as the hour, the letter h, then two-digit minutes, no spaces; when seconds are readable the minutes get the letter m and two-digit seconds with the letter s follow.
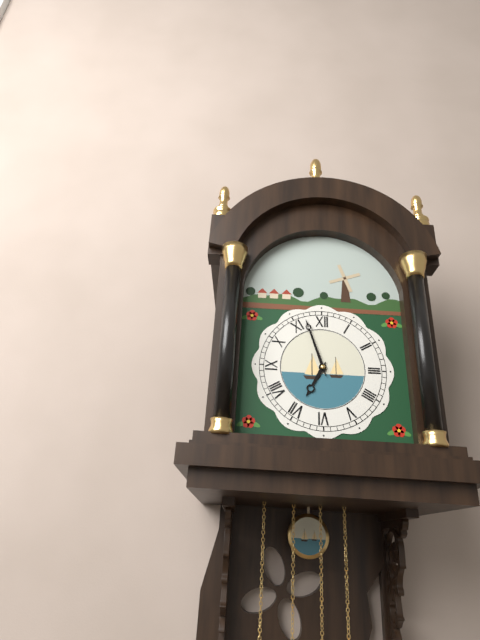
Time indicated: 6h57
